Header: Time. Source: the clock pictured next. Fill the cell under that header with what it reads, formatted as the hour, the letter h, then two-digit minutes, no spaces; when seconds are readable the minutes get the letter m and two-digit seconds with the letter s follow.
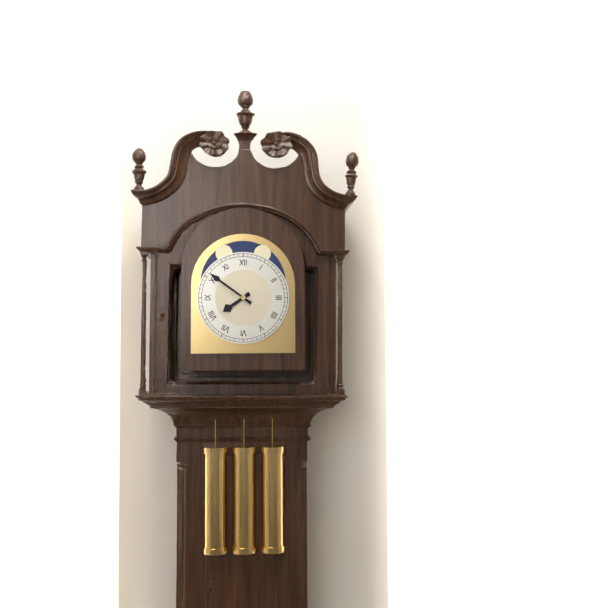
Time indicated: 7h51
